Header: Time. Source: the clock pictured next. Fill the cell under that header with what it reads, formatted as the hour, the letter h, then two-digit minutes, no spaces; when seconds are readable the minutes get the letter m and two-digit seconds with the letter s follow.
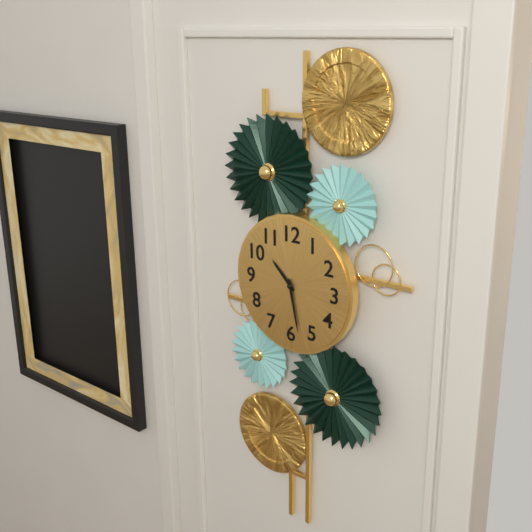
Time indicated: 10h28
